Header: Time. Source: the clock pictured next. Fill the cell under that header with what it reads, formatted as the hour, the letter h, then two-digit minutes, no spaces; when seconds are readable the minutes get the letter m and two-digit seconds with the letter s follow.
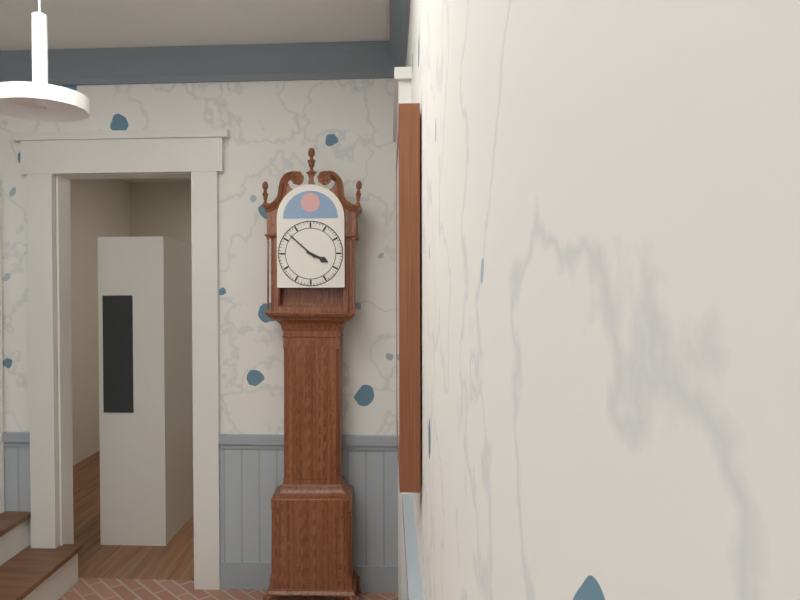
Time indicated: 3h52
